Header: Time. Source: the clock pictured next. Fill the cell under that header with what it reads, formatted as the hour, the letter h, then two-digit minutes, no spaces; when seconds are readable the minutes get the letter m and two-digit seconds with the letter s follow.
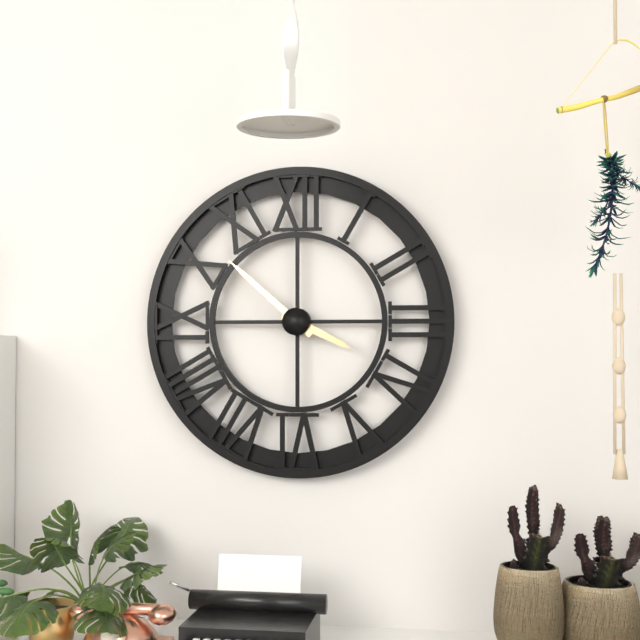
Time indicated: 3h52
